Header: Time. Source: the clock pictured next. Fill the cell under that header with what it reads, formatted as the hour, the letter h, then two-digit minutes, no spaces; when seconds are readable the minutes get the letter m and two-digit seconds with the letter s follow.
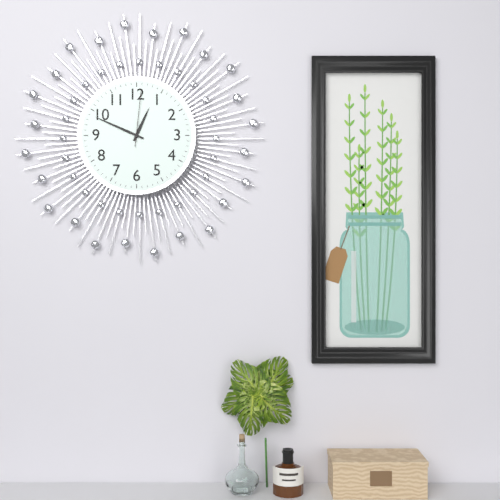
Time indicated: 12h49m01s
